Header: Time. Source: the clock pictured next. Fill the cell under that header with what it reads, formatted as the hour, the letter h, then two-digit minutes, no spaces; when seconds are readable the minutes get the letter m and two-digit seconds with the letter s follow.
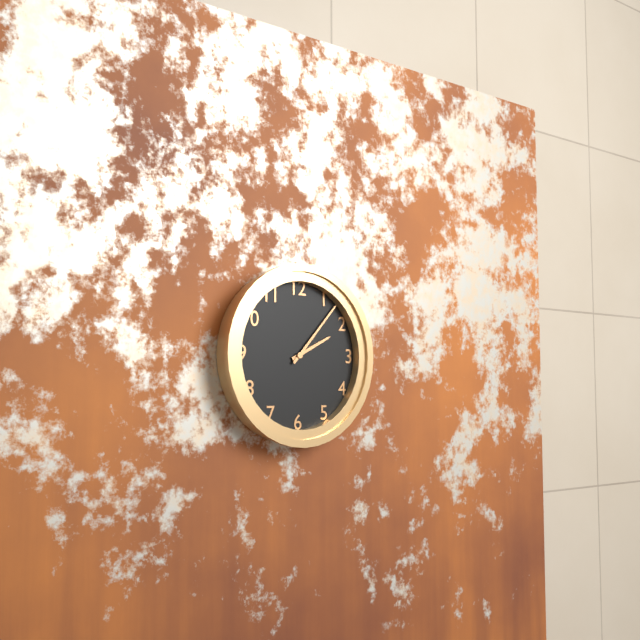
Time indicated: 2h07
